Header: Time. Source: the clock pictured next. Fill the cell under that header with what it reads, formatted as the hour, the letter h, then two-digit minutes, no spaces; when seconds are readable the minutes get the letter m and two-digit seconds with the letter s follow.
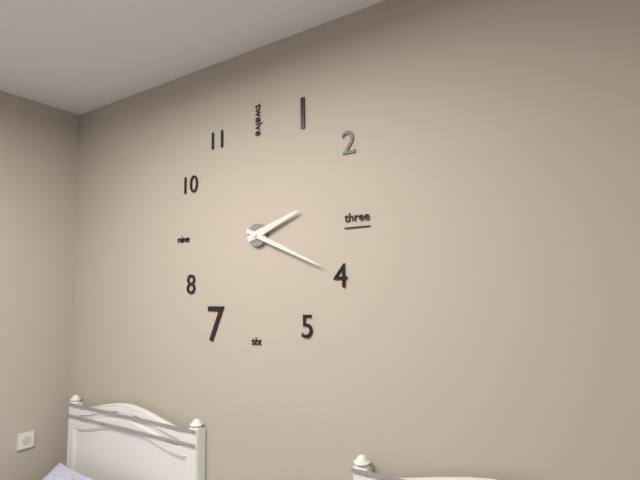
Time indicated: 2h19
